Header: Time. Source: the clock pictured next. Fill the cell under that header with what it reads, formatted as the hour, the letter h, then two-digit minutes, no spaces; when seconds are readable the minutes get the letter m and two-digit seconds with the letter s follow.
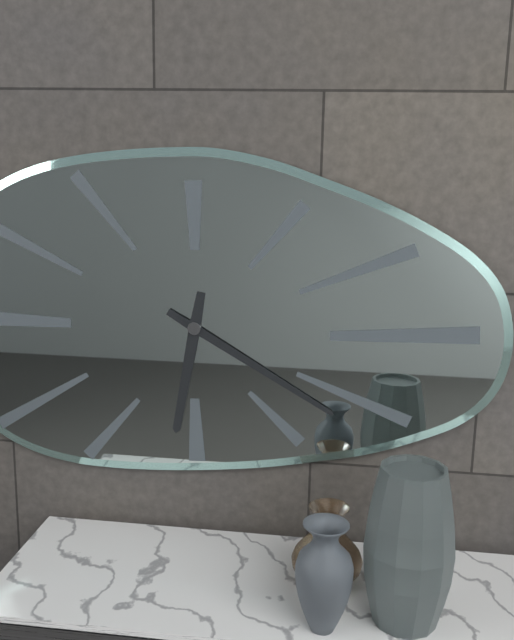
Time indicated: 6h20
